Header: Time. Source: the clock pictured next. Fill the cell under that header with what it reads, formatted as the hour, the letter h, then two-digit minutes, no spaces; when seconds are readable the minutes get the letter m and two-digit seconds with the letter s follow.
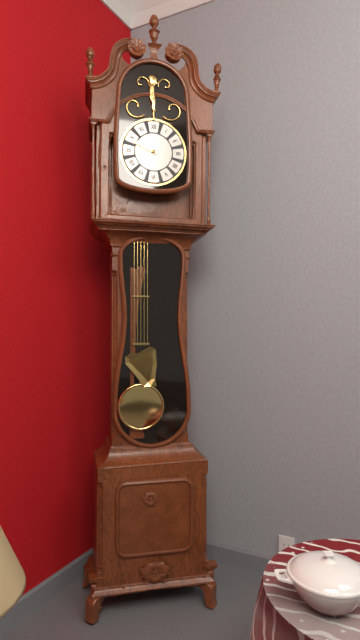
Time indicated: 9h49
